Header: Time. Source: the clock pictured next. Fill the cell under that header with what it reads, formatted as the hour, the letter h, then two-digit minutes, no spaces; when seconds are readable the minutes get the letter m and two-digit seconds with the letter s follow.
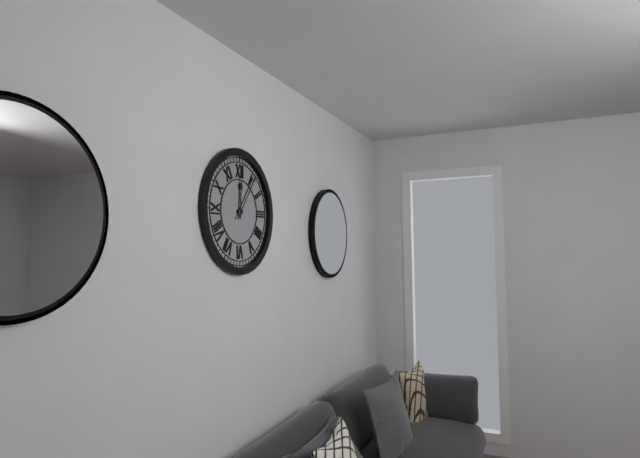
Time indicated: 12h06
